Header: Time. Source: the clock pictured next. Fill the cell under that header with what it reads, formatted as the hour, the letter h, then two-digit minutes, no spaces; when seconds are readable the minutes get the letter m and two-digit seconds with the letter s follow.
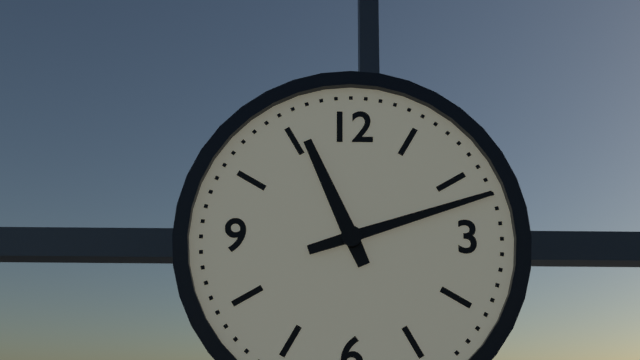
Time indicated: 11h12
